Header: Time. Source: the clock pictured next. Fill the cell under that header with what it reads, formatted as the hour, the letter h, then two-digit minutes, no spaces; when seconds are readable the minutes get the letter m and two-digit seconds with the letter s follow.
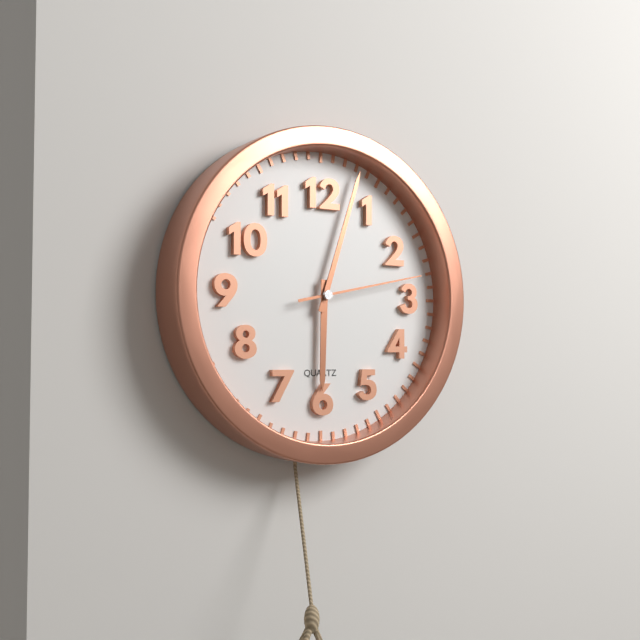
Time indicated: 6h03m13s
